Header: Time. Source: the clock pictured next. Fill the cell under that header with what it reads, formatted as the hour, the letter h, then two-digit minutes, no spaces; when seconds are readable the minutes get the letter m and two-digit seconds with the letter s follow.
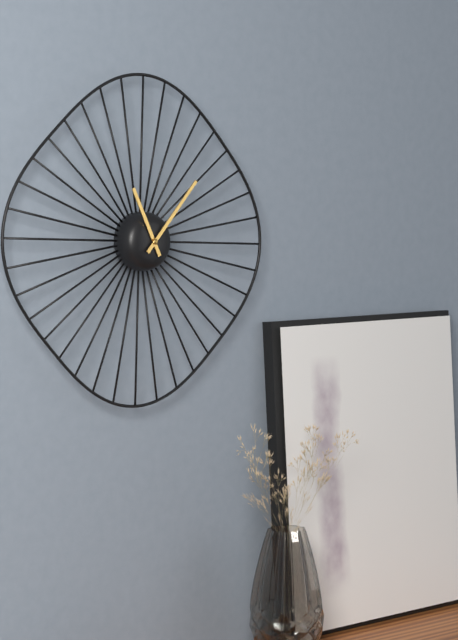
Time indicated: 11h07
